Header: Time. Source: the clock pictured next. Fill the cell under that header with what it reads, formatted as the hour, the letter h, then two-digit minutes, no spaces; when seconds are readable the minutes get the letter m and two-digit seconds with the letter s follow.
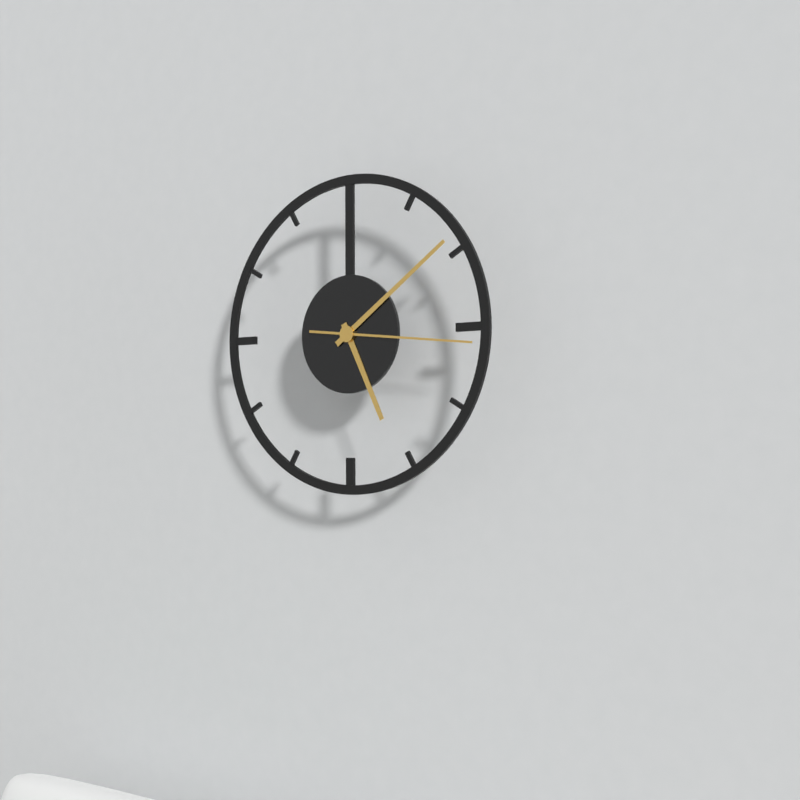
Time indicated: 5h09m16s
